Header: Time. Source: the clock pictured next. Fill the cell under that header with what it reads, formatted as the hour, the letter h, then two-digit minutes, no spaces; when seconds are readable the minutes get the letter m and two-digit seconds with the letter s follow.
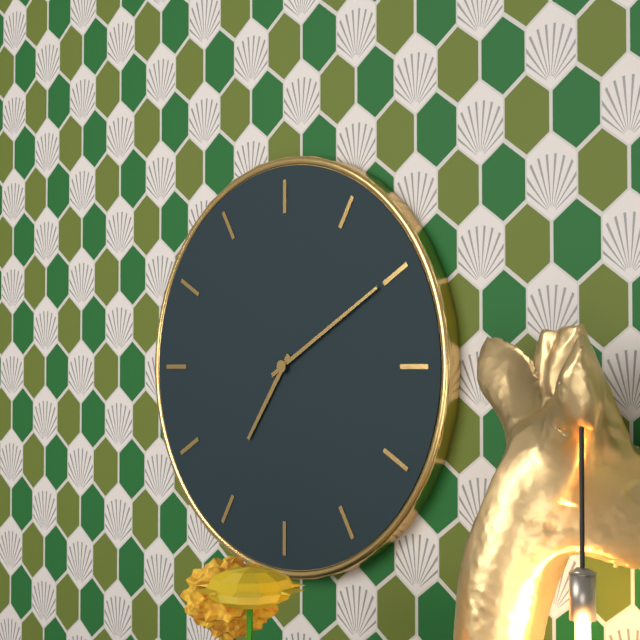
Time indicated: 7h10
